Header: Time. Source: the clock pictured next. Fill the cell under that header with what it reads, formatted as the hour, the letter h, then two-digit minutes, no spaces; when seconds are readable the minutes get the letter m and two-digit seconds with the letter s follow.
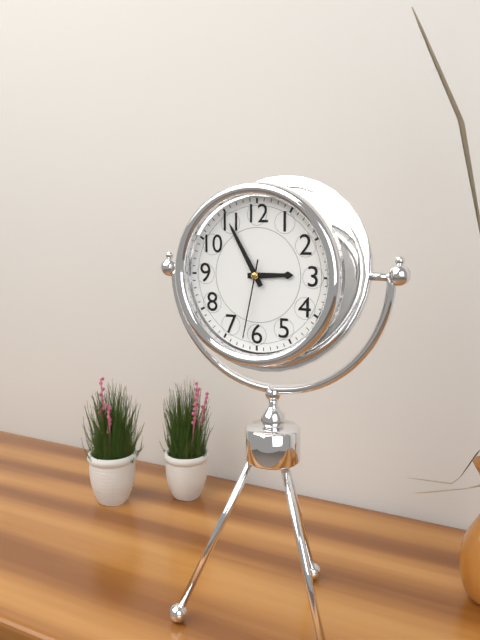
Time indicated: 2h55m32s
